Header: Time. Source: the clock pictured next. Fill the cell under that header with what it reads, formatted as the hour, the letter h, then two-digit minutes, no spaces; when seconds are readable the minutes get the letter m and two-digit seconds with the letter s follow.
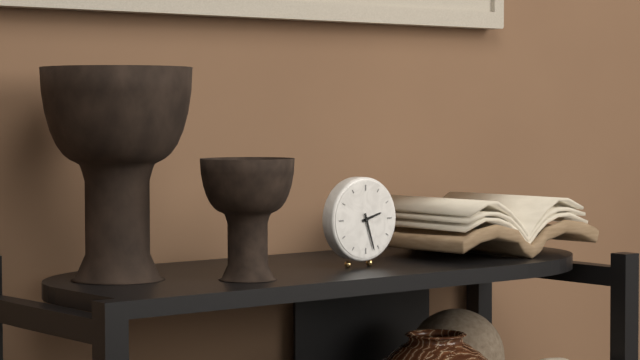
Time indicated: 2h27
